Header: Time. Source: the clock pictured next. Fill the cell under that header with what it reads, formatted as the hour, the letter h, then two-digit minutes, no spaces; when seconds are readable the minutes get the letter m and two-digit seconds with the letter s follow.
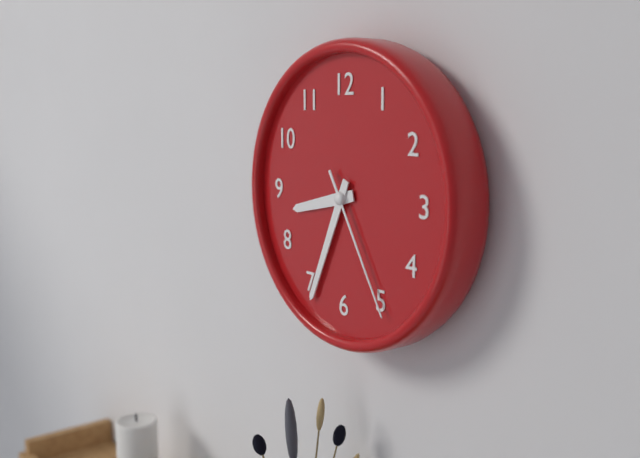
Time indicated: 8h34m25s
